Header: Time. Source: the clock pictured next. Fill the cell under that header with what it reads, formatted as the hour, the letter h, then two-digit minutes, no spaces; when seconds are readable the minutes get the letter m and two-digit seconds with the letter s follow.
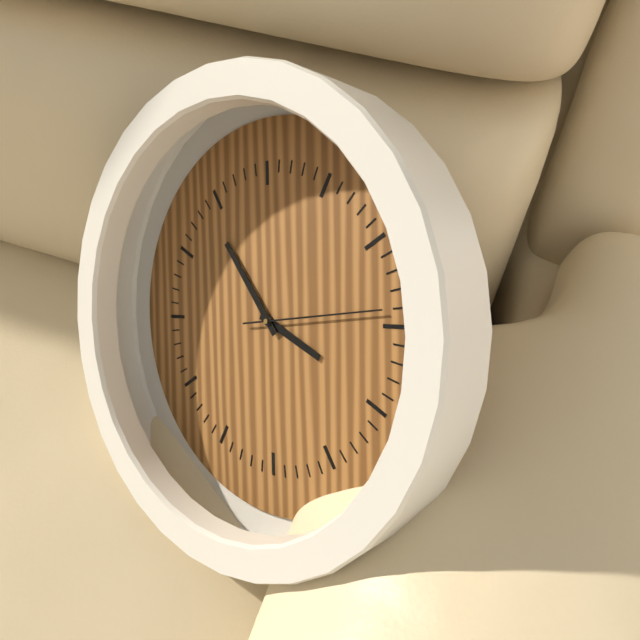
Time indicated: 3h54m14s
